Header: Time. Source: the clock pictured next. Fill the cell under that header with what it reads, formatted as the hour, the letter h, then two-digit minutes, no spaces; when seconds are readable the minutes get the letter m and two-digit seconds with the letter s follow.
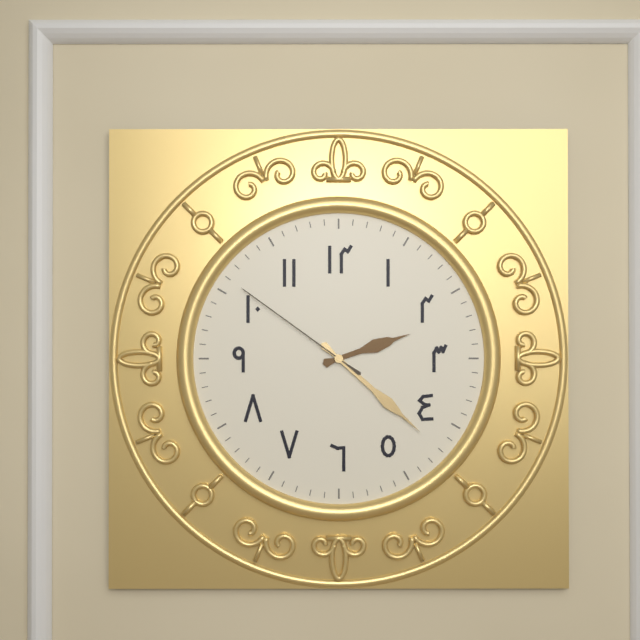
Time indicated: 2h22m51s
